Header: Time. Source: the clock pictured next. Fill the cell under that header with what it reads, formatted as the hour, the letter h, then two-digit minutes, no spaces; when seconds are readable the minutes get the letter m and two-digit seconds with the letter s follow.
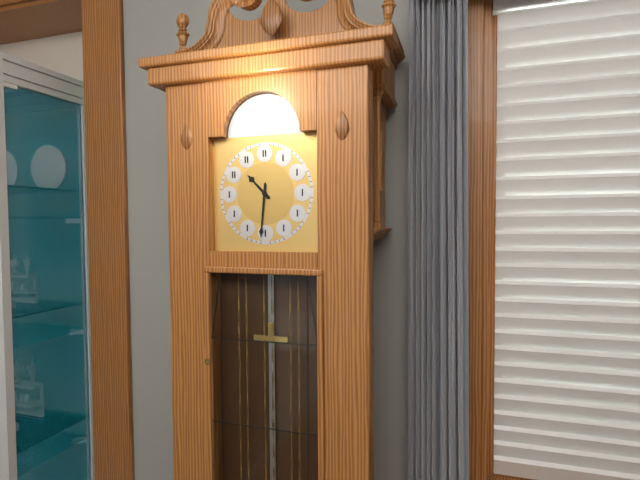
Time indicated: 10h31
